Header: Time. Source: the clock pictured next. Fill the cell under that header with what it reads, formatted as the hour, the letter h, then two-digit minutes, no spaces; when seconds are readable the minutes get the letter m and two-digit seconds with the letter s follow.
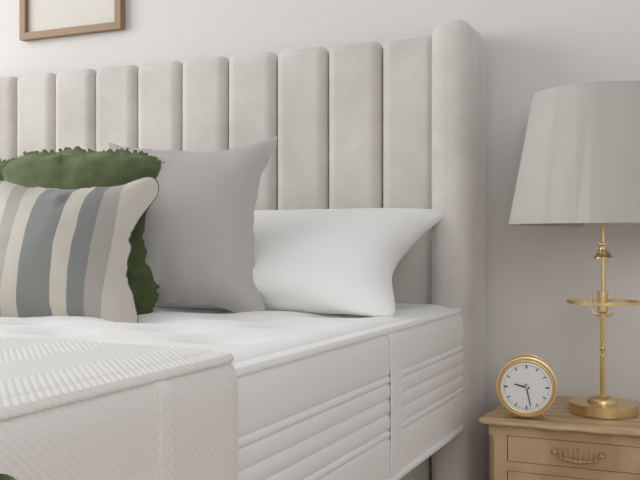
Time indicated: 9h28
